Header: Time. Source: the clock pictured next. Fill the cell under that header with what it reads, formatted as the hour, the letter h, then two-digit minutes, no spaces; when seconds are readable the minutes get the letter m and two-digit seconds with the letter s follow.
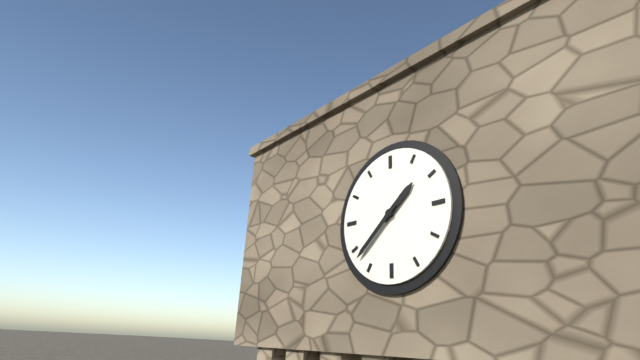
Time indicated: 1h38
